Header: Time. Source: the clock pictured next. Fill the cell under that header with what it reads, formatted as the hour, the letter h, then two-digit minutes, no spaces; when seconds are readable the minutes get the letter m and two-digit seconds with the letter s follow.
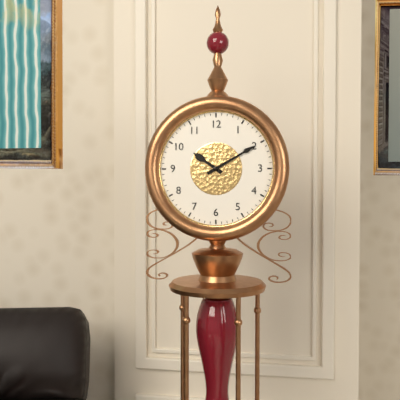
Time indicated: 10h10
